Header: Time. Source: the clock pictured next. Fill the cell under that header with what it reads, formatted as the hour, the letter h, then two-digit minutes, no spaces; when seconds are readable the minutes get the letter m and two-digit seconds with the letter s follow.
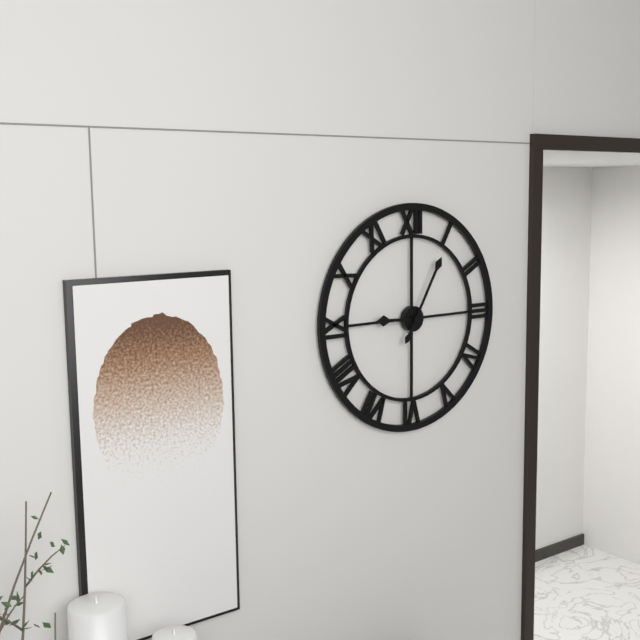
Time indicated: 9h05
